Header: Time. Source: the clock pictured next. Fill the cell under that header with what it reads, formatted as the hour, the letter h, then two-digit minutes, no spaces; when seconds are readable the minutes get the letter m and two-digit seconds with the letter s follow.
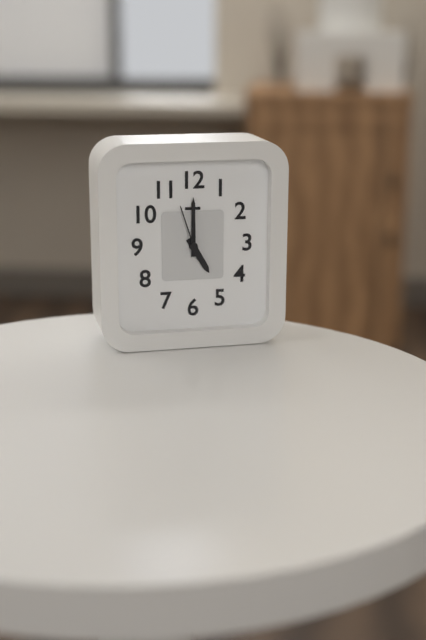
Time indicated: 5h00m57s
